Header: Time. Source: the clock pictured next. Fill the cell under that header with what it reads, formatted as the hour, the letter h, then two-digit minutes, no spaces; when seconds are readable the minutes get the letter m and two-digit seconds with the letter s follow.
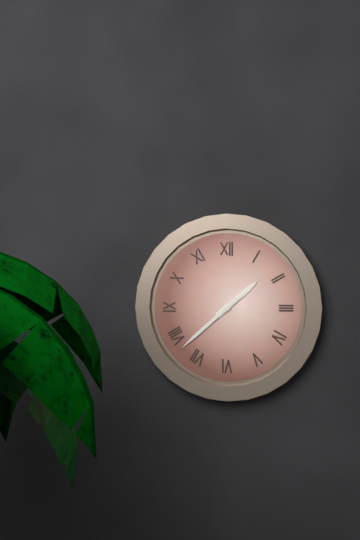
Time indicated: 1h38
